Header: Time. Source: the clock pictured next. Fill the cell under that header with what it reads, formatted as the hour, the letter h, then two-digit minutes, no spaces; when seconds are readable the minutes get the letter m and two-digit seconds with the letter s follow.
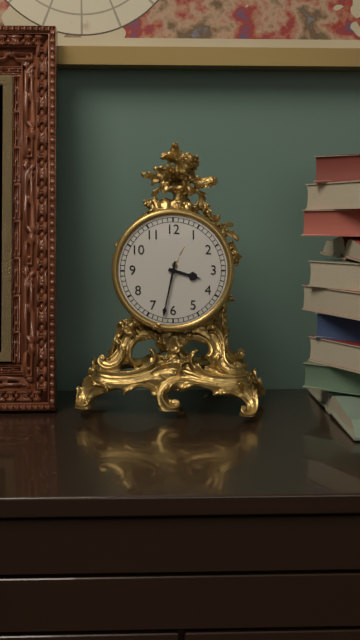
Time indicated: 3h32
